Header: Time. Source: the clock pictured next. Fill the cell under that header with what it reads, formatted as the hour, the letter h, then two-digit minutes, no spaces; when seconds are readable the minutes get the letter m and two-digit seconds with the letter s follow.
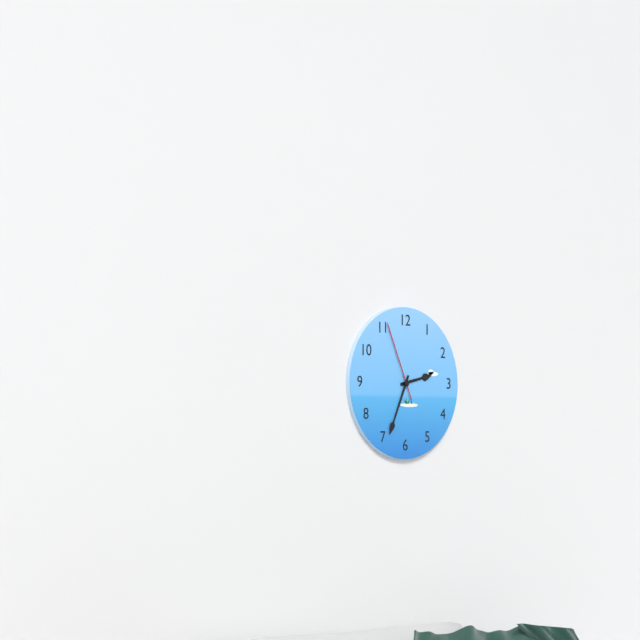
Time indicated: 2h34m56s
